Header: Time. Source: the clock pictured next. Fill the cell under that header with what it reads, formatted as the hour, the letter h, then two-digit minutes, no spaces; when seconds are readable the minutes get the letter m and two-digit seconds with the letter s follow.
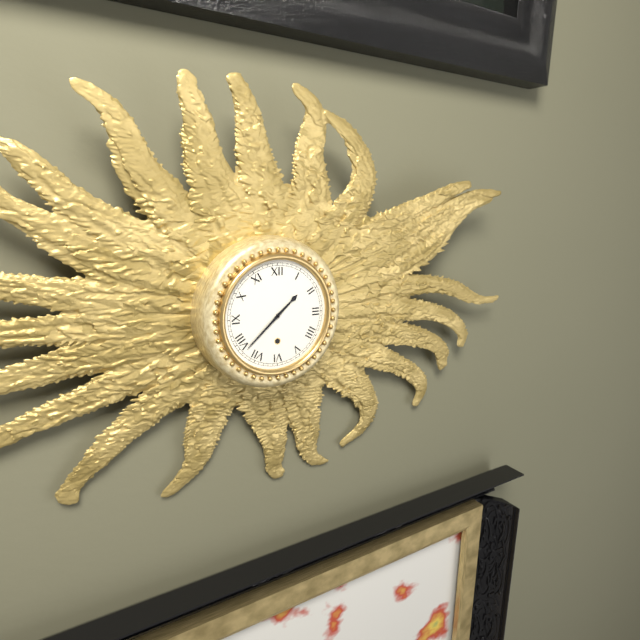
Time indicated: 1h38
